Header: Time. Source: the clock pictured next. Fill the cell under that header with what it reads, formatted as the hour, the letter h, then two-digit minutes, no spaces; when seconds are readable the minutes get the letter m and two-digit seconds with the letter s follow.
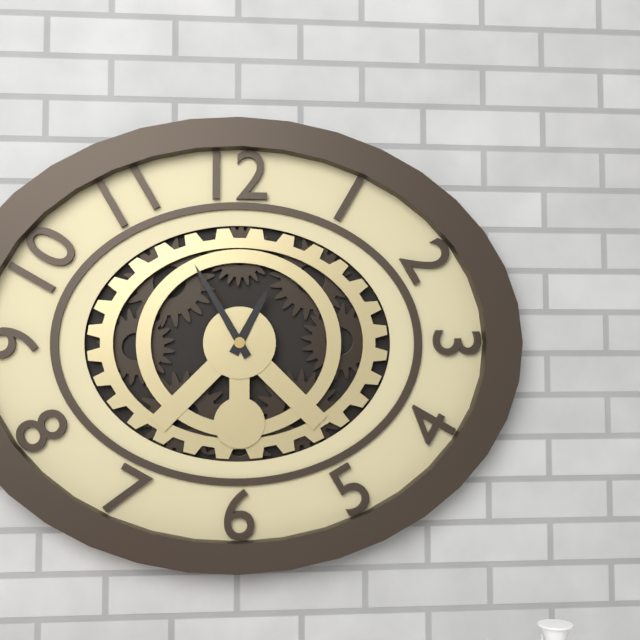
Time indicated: 12h55
